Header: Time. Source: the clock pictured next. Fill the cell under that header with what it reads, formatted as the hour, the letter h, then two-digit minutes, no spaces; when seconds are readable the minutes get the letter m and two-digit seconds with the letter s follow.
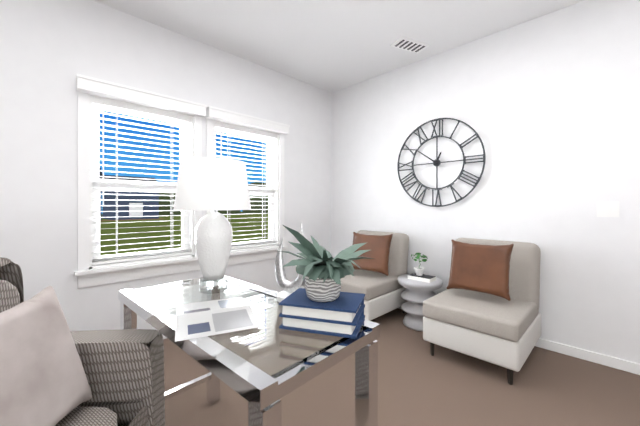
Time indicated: 12h51
